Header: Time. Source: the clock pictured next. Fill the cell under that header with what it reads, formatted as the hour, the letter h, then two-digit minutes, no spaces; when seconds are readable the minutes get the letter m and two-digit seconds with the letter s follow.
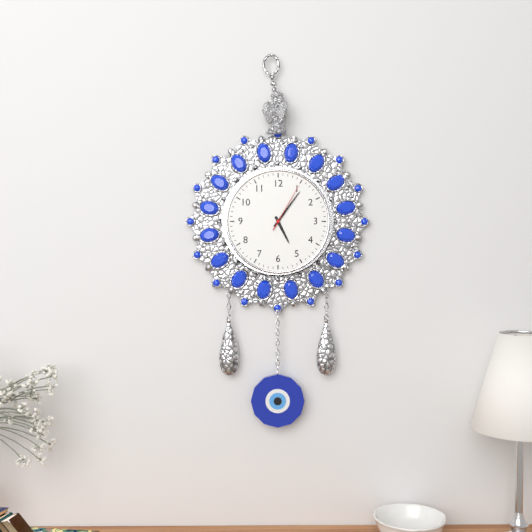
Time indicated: 5h06m05s
